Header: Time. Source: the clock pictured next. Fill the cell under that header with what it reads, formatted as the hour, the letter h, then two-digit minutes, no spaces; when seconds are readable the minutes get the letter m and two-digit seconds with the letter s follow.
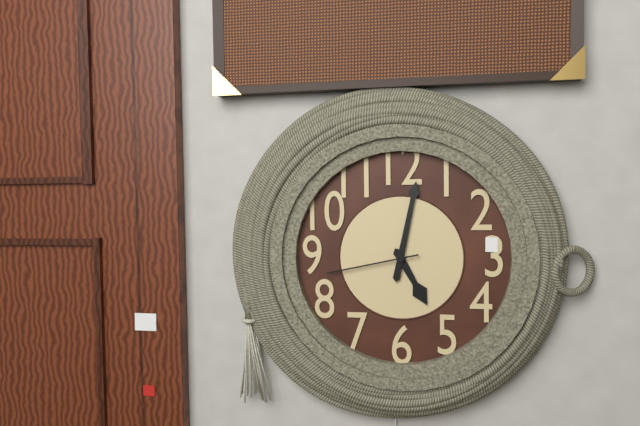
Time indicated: 5h02m43s
